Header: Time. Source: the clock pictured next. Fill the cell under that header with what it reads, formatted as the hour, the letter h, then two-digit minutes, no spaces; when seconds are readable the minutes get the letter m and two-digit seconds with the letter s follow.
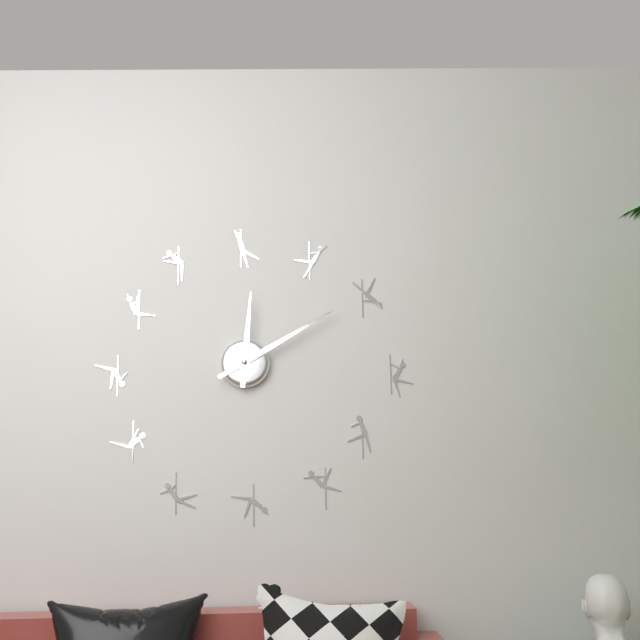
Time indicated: 12h10
